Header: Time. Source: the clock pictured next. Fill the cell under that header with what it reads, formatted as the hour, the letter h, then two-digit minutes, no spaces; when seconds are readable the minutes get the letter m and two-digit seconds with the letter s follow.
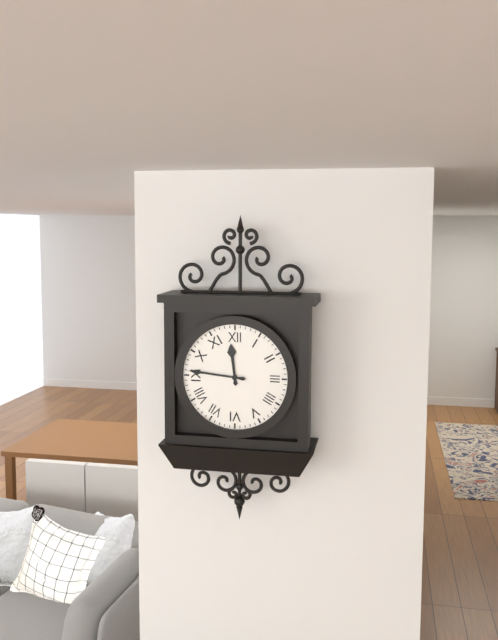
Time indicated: 11h46
